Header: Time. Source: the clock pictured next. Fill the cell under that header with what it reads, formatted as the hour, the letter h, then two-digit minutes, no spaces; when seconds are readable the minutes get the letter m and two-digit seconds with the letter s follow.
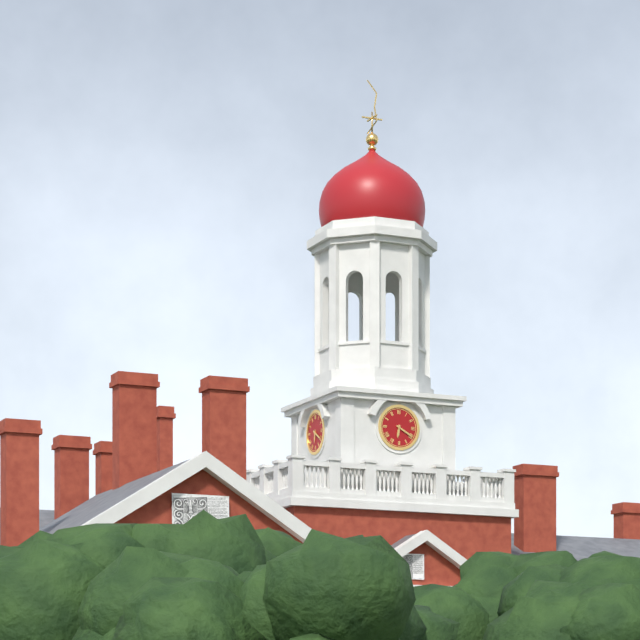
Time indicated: 6h20
